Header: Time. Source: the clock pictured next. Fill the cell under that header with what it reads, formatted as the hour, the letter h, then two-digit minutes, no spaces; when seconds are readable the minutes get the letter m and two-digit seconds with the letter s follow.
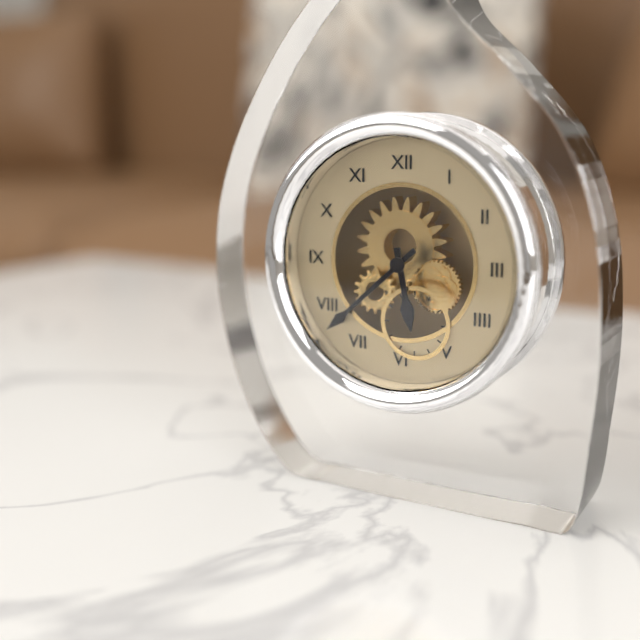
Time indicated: 5h38
